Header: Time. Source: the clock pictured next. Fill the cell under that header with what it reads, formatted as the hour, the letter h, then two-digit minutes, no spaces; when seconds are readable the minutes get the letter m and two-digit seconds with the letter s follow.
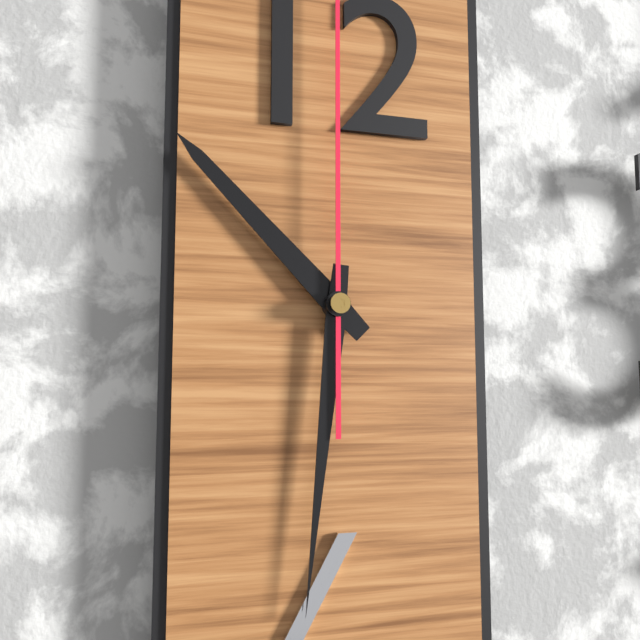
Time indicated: 10h31
